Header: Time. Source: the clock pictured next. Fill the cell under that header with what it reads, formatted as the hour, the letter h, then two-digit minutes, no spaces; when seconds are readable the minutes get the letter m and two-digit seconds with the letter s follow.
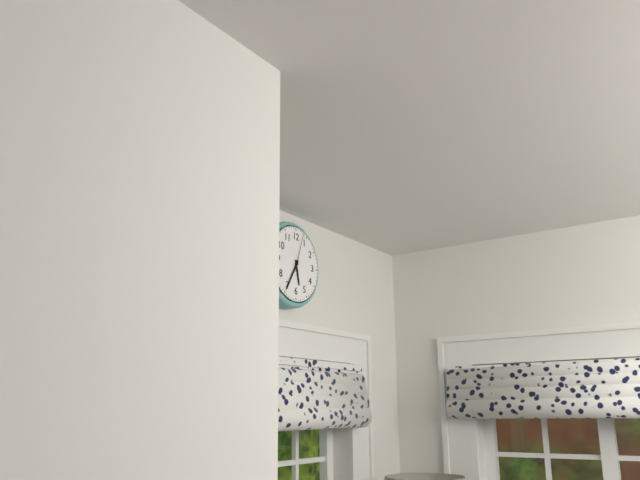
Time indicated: 5h35
